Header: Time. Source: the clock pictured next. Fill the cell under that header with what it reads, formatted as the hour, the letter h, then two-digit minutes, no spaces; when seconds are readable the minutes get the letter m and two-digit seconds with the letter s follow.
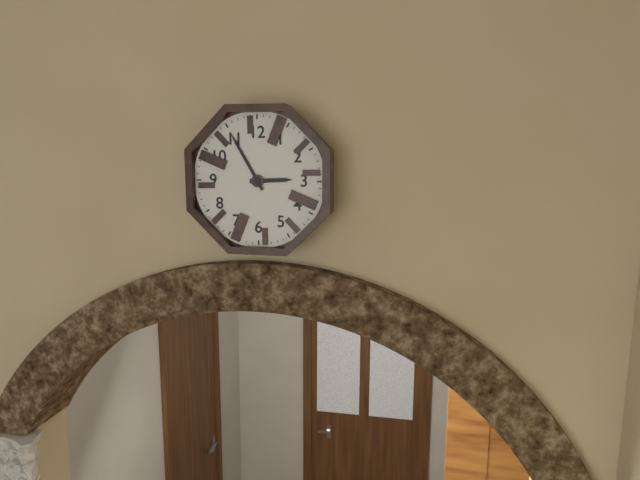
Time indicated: 2h55
